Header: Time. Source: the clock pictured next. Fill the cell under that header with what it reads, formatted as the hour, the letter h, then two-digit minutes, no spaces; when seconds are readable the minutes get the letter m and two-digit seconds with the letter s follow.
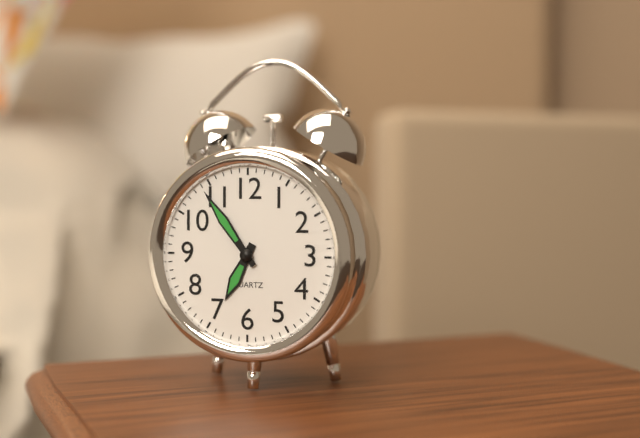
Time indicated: 6h54
